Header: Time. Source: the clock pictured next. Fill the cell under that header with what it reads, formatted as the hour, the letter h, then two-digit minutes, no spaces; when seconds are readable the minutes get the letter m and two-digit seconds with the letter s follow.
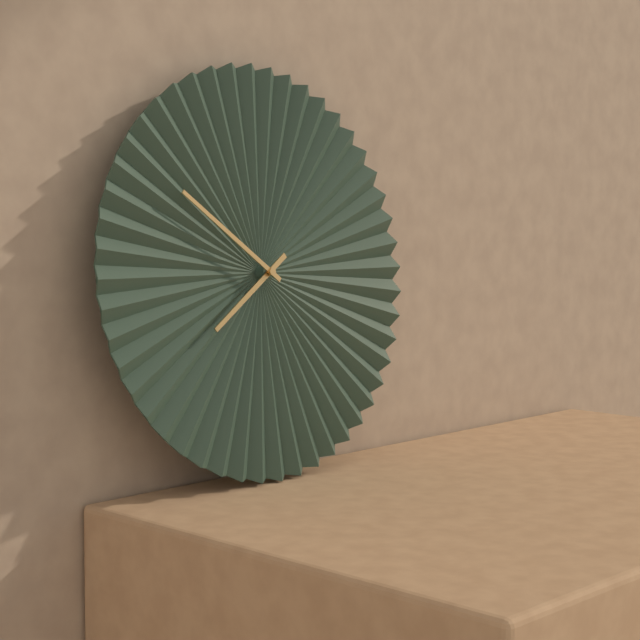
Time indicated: 7h51
